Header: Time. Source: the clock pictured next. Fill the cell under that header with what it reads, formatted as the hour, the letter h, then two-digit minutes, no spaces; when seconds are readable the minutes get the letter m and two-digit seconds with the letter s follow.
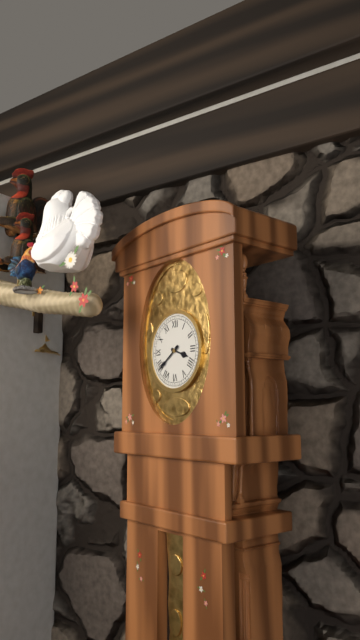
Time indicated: 3h39
